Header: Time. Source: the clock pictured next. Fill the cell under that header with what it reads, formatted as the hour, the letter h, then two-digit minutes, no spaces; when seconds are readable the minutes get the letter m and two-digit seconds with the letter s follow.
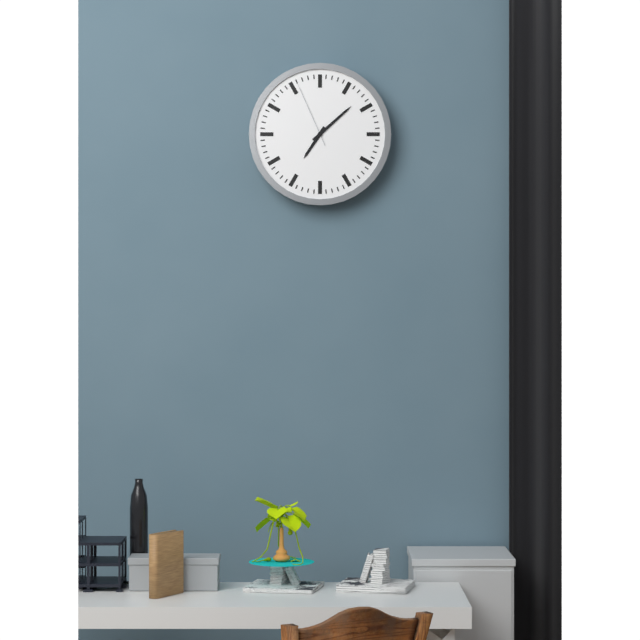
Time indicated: 7h08m56s
